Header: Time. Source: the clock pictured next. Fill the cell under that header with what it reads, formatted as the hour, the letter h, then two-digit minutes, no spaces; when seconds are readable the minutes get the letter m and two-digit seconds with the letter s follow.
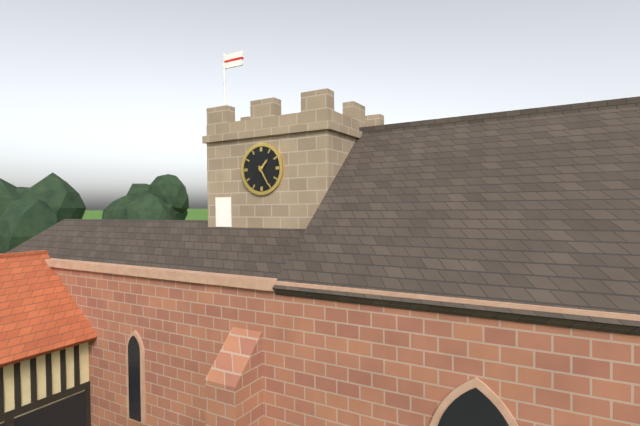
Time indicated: 1h25
